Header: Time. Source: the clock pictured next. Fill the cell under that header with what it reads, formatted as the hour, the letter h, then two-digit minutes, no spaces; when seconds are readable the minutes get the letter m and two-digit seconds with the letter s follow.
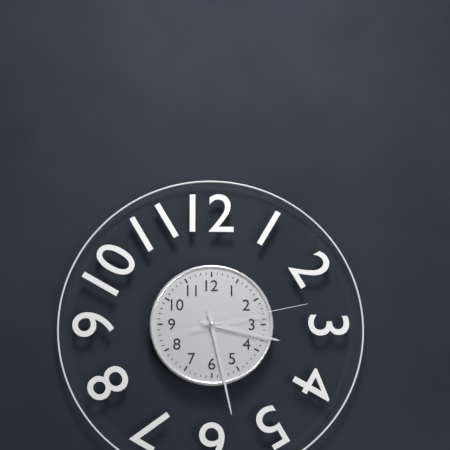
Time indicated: 3h28m13s
